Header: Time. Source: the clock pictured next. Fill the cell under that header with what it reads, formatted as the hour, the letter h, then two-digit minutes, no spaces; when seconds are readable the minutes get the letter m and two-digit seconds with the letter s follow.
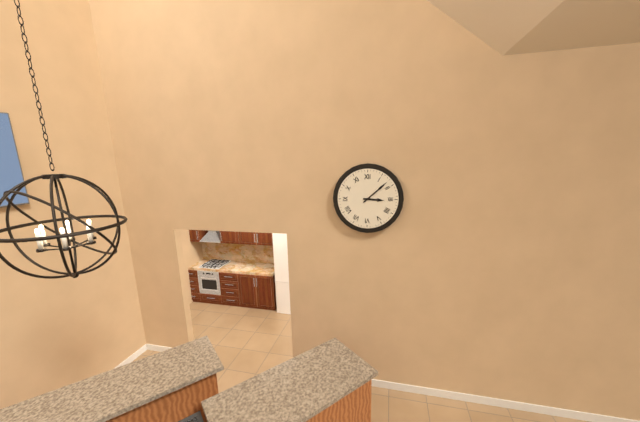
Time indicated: 3h08
